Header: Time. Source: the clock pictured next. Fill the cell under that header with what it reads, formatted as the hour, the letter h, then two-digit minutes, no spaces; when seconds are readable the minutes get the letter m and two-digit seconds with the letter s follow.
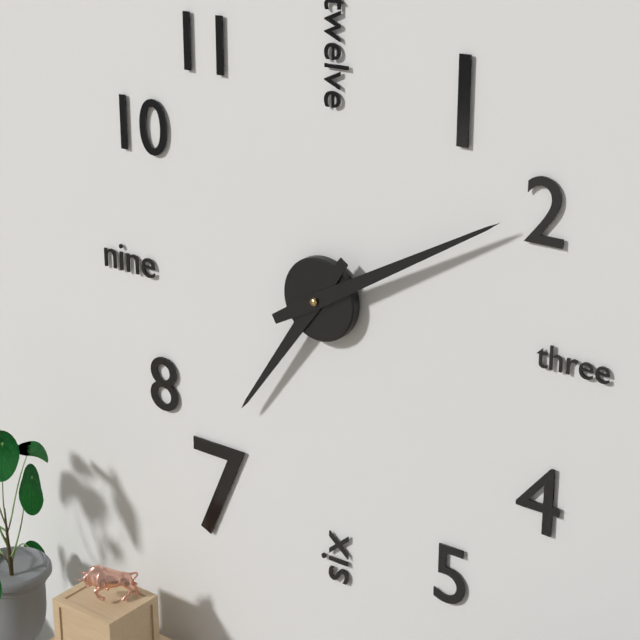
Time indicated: 7h10
